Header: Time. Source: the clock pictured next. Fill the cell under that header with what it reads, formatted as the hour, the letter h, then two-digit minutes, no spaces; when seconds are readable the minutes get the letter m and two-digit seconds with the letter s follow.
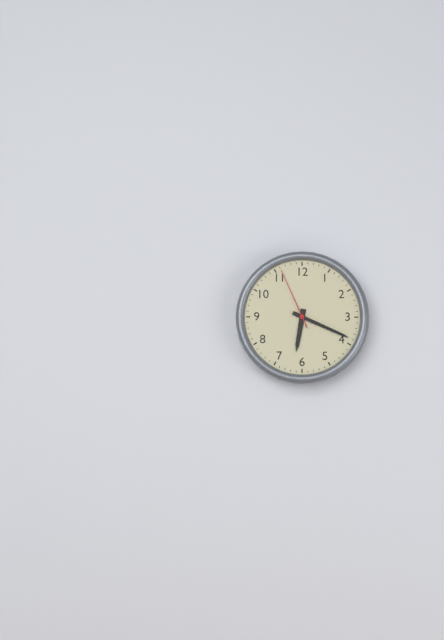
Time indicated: 6h19m56s
